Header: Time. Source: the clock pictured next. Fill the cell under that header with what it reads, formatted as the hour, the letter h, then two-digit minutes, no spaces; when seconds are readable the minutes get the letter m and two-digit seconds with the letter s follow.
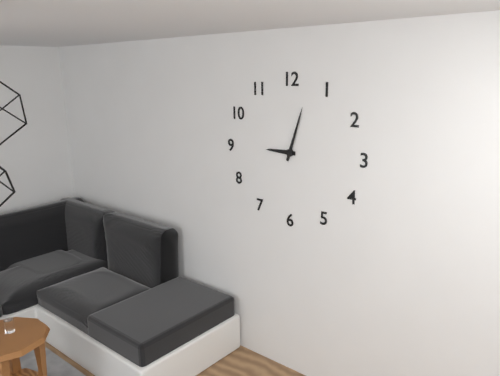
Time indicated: 9h03
